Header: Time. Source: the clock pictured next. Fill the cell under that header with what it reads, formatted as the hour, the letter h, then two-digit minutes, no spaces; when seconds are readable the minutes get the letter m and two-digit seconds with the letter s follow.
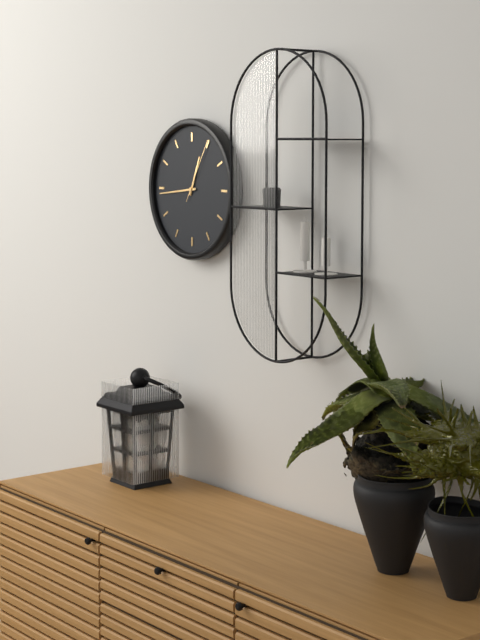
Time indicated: 12h44m05s
